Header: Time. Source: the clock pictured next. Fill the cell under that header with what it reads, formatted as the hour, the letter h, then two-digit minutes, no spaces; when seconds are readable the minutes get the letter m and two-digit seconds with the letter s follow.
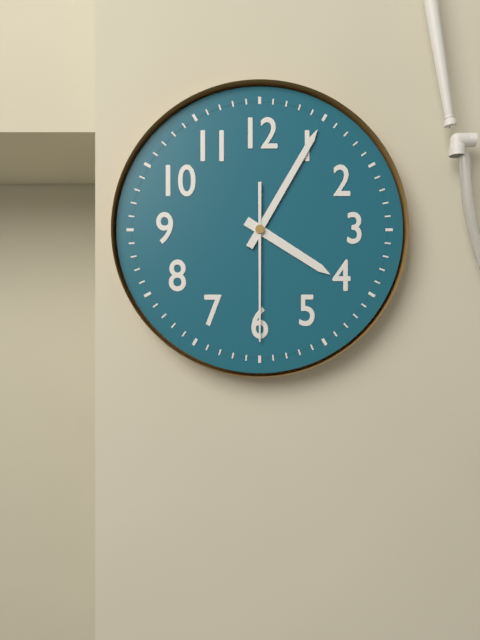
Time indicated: 4h05m30s
